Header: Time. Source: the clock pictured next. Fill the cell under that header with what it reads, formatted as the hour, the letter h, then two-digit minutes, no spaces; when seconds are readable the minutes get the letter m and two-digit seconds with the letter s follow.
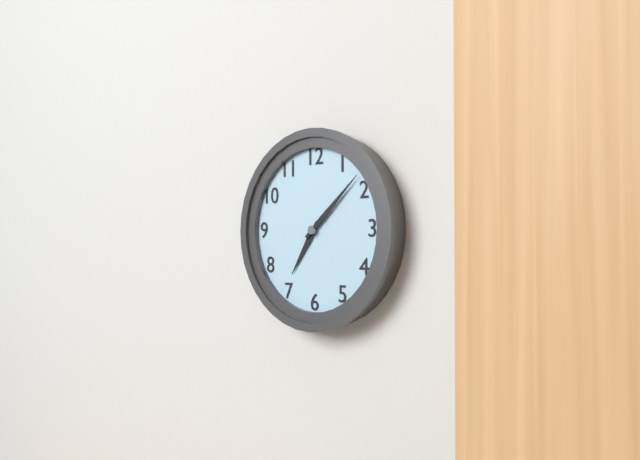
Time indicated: 7h08
